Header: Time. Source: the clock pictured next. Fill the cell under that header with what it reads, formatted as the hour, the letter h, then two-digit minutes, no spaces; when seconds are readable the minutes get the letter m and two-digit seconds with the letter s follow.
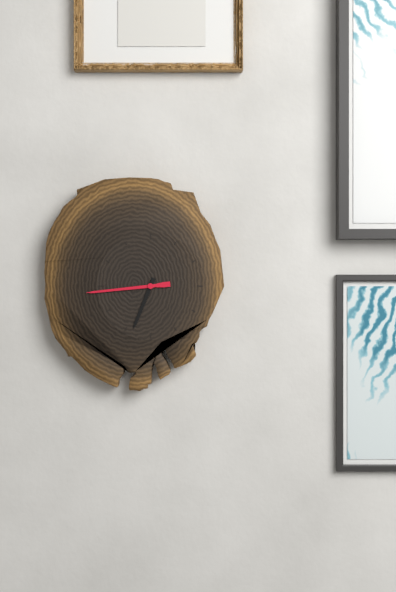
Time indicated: 6h44
